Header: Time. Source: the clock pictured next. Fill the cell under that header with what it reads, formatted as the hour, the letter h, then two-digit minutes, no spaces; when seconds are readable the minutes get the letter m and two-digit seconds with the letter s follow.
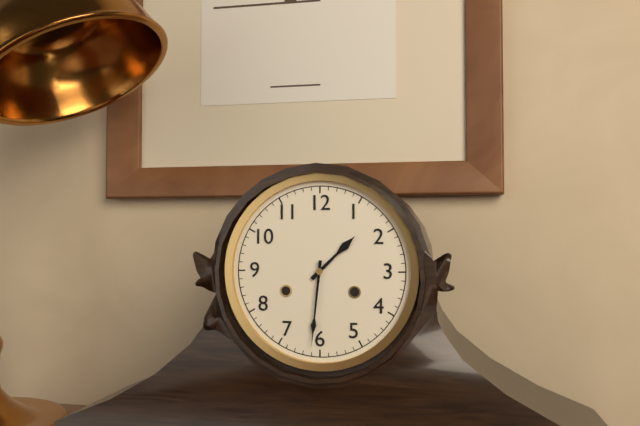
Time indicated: 1h31
